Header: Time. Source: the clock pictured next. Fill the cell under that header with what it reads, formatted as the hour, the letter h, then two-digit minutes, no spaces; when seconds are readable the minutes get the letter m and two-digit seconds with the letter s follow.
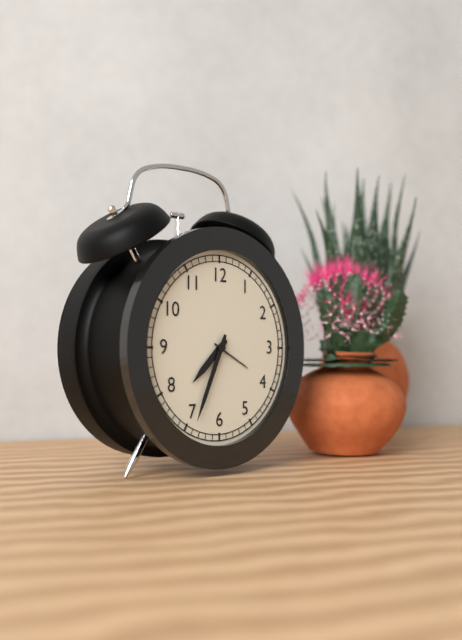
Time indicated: 7h34
